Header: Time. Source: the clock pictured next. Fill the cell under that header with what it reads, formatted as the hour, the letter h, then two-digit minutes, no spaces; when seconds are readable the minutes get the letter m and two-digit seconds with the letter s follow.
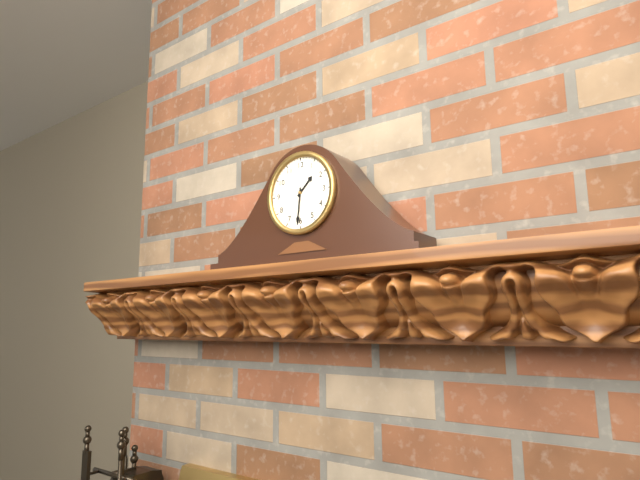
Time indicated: 1h31
